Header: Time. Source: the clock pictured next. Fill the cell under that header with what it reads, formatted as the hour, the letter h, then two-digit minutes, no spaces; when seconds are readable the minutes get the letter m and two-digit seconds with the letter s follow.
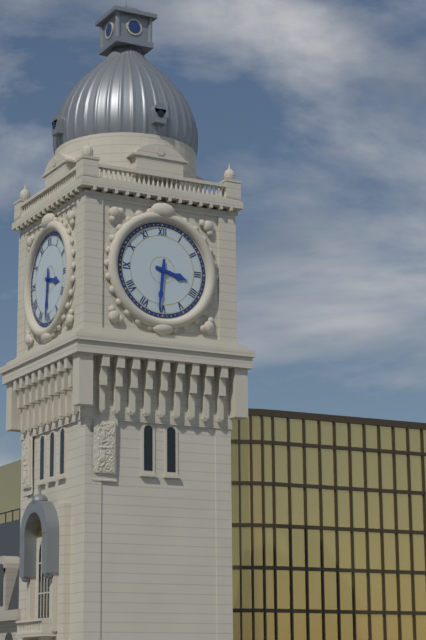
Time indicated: 3h31
